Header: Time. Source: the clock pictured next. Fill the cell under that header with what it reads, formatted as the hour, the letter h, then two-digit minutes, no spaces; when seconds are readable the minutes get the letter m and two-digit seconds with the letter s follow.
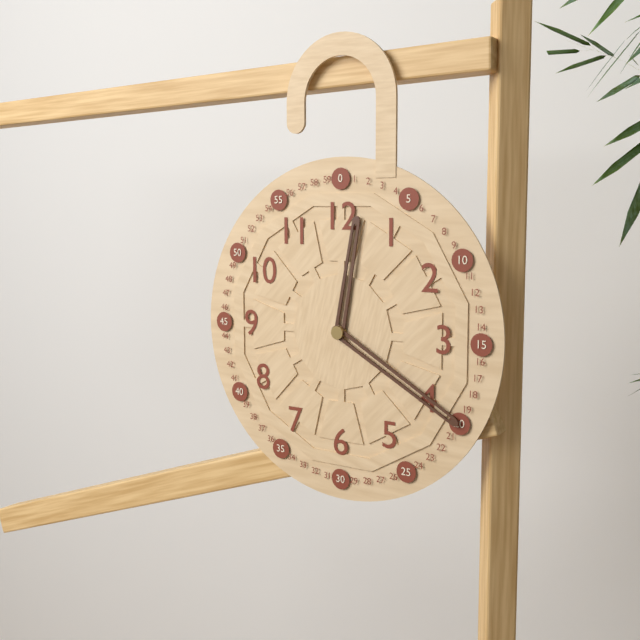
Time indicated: 12h20
